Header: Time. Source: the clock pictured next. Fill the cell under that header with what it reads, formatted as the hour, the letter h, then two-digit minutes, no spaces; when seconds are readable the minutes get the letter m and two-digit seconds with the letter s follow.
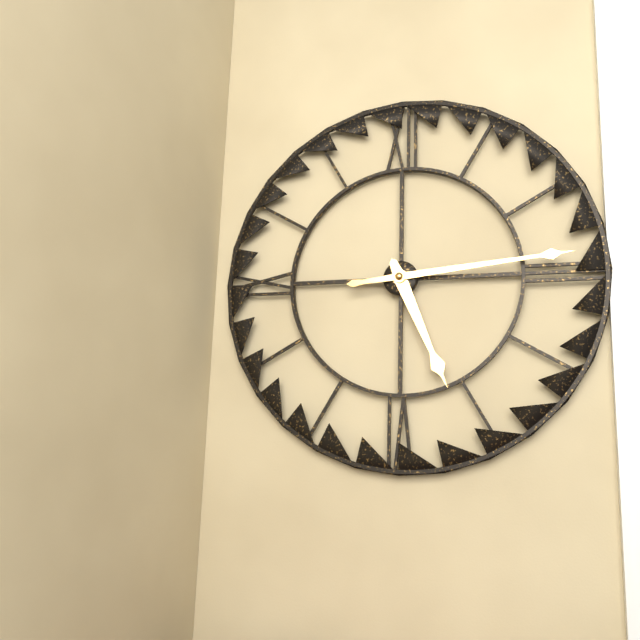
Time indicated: 5h14
